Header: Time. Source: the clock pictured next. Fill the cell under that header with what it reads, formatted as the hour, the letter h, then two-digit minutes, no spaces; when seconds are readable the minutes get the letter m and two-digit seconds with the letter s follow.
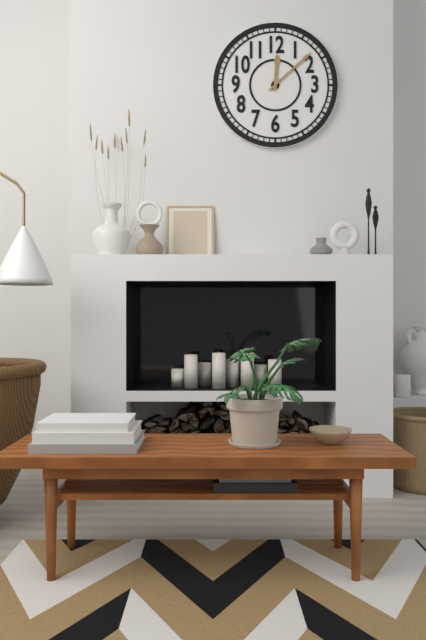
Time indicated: 12h08
